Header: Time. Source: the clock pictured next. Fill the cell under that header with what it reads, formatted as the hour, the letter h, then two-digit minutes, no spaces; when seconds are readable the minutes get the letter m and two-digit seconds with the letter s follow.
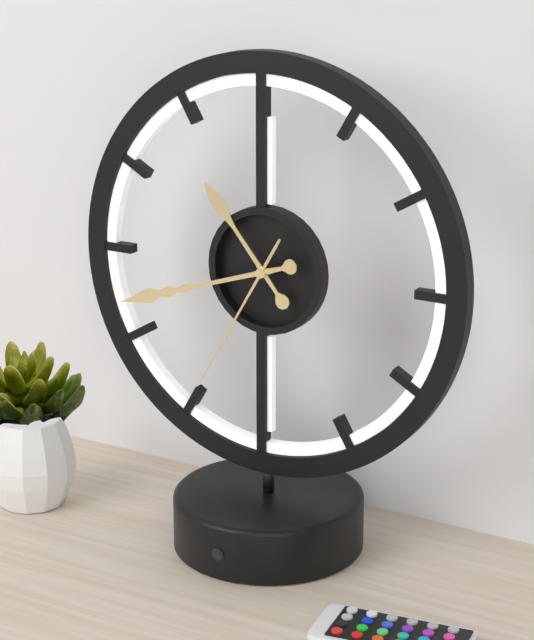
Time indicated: 10h42m35s
